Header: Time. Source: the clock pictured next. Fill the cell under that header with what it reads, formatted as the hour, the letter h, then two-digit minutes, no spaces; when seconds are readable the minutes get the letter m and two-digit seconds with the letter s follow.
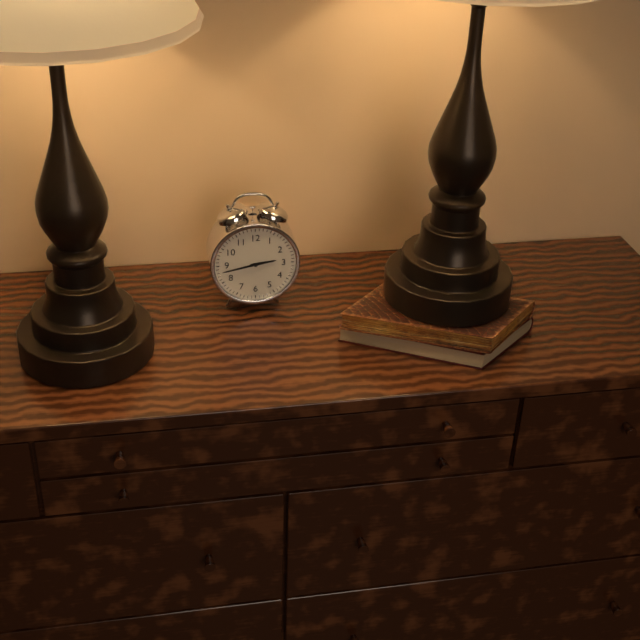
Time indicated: 2h43
